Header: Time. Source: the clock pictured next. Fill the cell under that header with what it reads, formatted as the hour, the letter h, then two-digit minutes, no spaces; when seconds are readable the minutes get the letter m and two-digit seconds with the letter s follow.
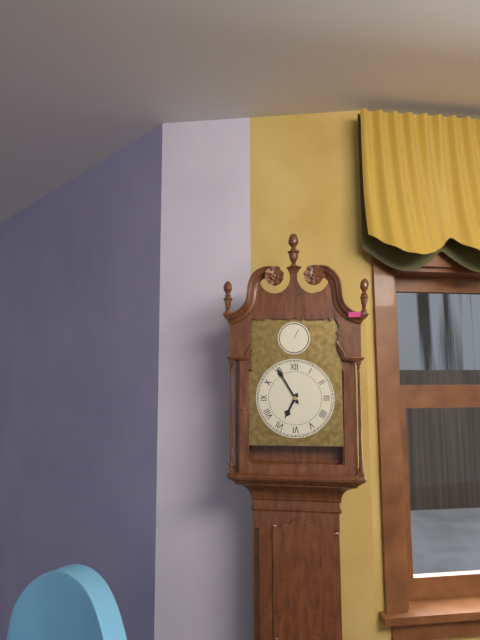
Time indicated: 6h55
